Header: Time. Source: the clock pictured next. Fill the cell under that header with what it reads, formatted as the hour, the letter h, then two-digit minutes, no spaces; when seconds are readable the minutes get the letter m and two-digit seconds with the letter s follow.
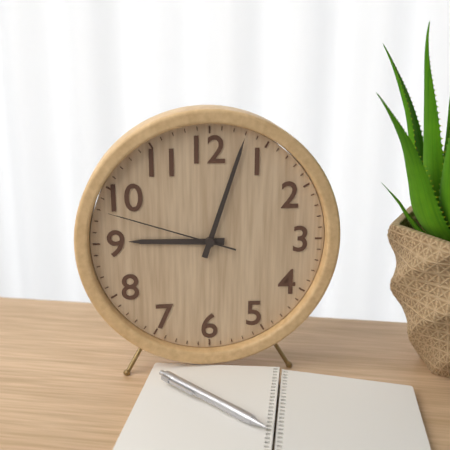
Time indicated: 9h03m48s
